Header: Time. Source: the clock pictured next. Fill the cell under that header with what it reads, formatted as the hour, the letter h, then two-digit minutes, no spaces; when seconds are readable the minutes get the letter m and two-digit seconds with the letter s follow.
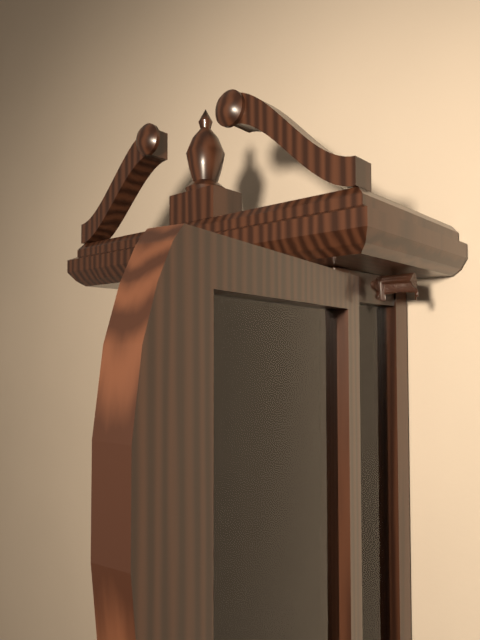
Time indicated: 6h38
